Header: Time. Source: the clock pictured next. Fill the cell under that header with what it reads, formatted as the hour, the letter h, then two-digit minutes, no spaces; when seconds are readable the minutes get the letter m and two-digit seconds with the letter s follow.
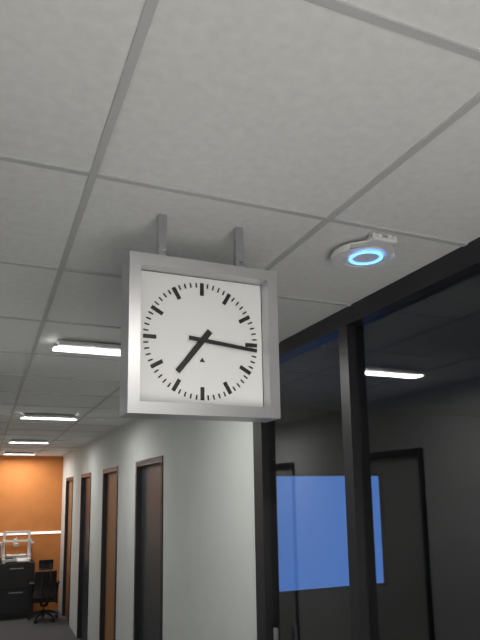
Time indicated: 7h16
